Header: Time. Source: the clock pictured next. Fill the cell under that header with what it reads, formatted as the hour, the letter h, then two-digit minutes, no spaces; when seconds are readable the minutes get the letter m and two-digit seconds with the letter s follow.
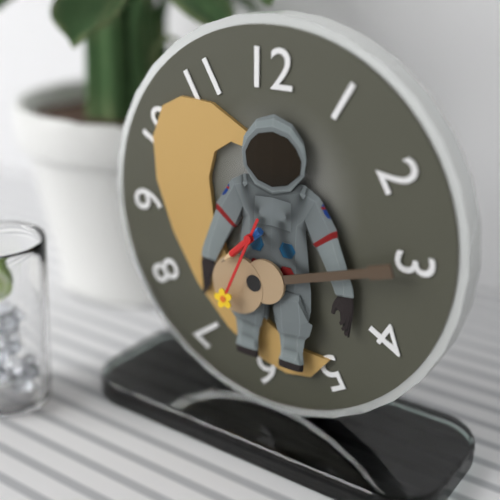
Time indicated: 7h34
